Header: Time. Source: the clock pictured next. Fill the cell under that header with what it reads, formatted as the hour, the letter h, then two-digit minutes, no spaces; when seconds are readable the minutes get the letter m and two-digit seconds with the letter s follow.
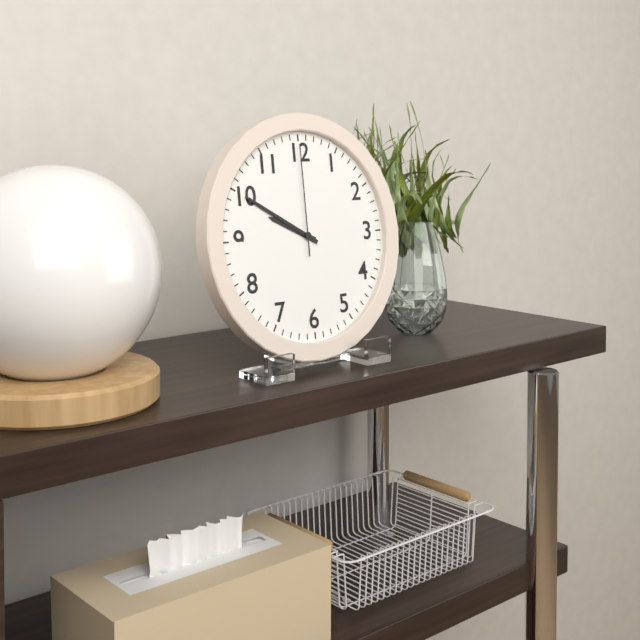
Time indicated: 9h50m00s
